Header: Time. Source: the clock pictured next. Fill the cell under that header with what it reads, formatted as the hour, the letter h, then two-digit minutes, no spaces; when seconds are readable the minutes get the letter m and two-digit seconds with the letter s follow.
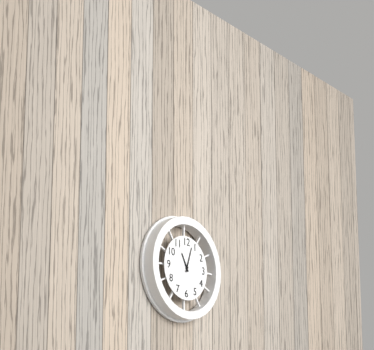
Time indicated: 11h03
